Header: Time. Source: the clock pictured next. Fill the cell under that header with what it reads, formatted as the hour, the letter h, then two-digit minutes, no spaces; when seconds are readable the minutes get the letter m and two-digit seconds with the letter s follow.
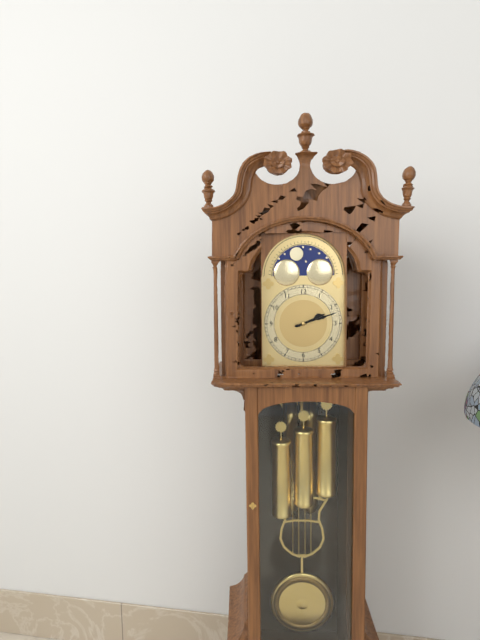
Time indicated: 2h12
